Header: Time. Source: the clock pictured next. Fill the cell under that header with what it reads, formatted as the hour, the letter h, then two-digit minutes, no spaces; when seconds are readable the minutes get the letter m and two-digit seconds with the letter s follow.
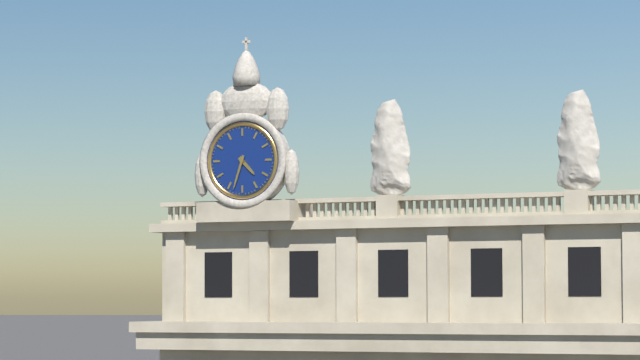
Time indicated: 4h33
